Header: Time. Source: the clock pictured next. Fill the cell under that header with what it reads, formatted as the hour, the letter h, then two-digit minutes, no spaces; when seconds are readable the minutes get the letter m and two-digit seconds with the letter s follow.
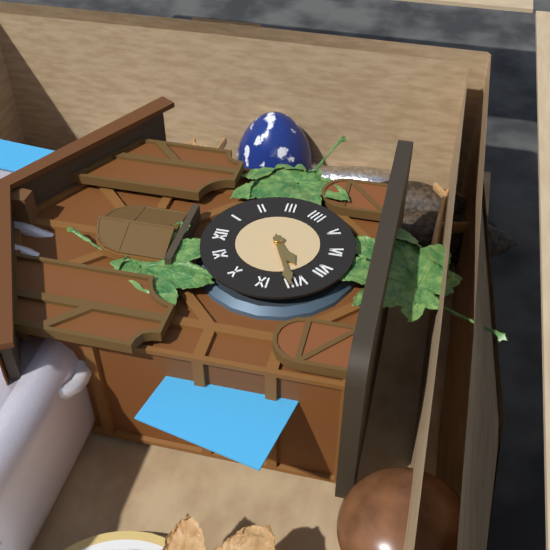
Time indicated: 7h41
